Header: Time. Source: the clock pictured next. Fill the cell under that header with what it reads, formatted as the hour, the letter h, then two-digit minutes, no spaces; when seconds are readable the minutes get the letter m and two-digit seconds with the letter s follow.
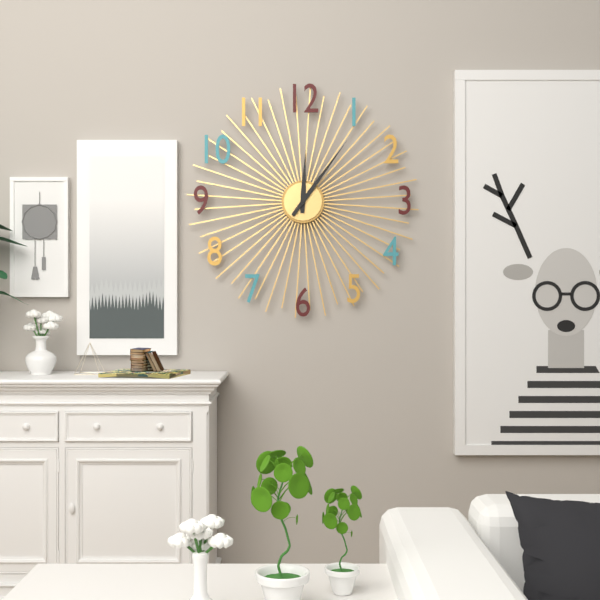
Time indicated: 12h06
